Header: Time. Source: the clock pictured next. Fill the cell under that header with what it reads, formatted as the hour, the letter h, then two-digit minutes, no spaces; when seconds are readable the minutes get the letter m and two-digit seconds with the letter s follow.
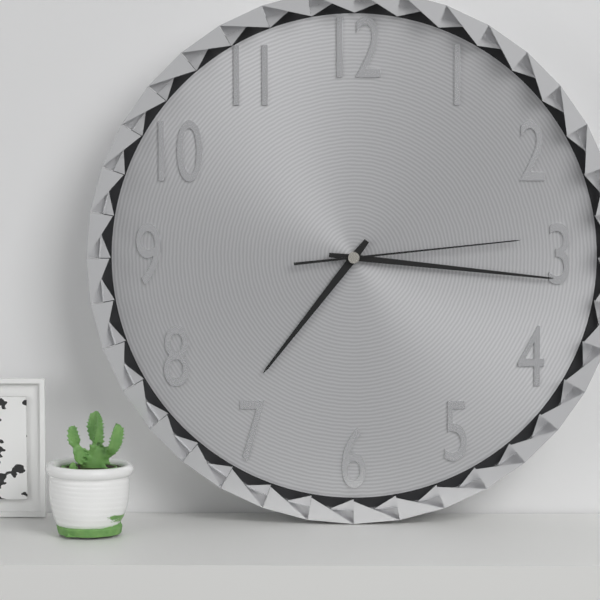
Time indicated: 7h16m14s
